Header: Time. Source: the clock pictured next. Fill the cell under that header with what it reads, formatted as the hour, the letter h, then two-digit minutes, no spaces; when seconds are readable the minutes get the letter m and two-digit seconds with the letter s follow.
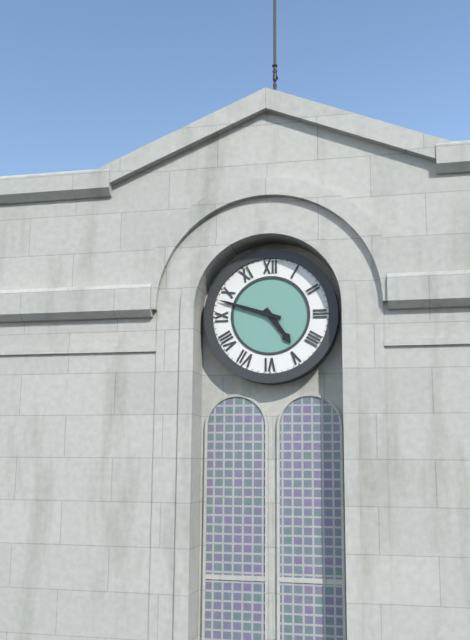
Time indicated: 4h48
